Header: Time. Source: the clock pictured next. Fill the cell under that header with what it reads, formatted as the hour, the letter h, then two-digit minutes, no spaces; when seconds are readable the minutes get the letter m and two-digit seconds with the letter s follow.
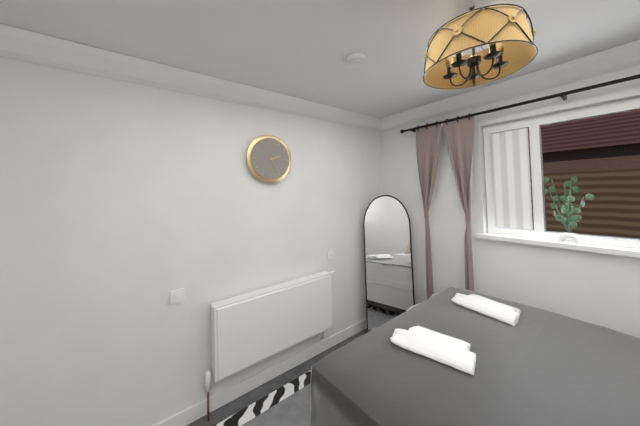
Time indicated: 2h26
